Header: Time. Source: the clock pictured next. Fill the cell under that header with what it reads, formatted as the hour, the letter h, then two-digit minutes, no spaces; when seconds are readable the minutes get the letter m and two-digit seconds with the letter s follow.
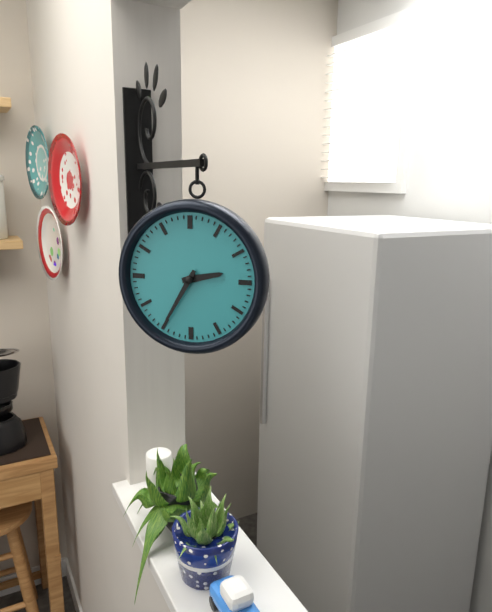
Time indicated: 2h35
